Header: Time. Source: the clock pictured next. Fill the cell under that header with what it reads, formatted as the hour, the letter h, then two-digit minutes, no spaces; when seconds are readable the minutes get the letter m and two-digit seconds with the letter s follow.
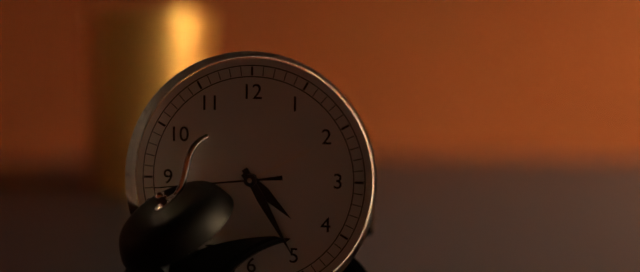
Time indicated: 4h25m44s
